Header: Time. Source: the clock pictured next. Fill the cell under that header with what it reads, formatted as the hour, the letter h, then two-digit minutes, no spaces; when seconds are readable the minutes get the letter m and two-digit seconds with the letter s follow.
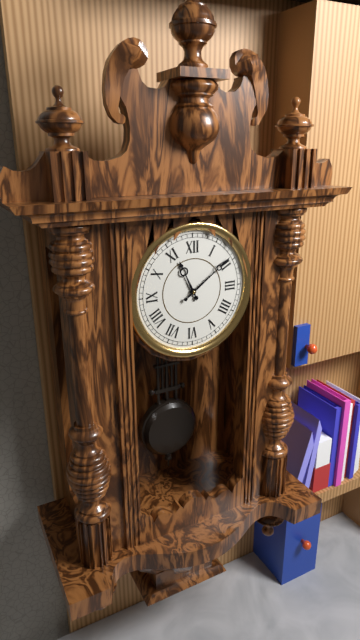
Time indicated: 11h09
